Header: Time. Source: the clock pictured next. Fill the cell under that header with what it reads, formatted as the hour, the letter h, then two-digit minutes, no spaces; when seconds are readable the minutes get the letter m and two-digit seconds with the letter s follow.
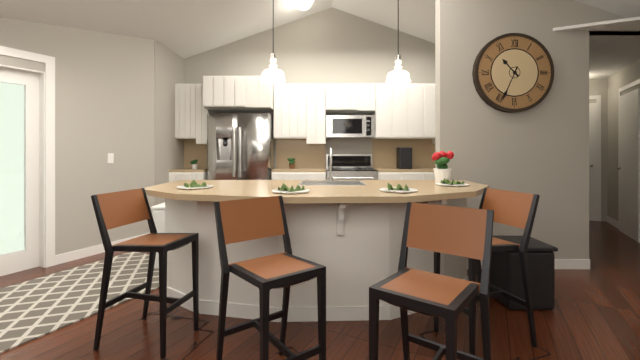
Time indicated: 10h34
